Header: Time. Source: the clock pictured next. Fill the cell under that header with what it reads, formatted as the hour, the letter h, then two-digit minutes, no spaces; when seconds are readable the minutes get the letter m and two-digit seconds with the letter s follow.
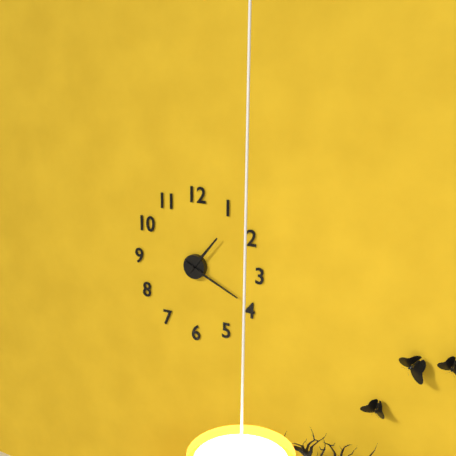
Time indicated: 1h19
